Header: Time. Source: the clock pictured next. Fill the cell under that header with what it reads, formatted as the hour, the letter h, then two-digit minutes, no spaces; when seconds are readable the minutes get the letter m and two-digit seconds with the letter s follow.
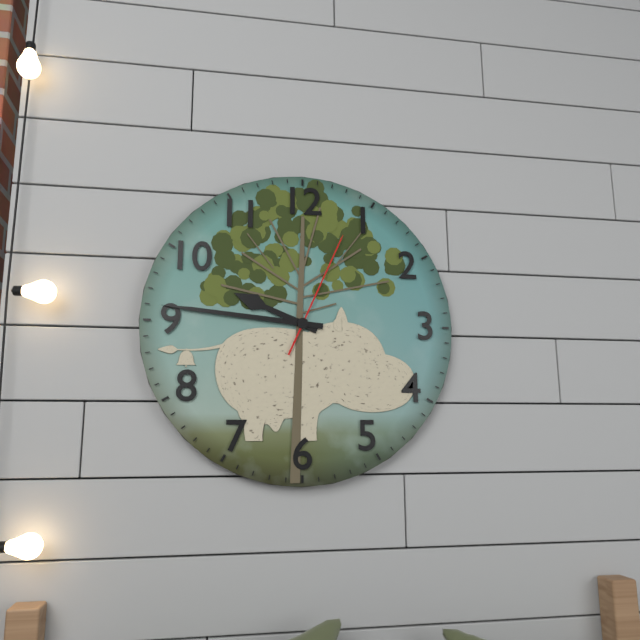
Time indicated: 9h46m04s
